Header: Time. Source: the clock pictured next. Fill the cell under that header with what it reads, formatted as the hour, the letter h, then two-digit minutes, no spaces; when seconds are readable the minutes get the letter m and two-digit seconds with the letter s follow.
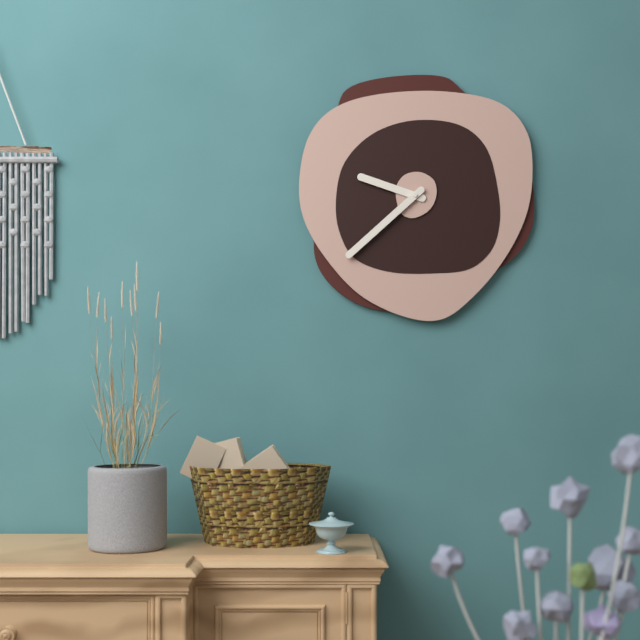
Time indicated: 9h38
